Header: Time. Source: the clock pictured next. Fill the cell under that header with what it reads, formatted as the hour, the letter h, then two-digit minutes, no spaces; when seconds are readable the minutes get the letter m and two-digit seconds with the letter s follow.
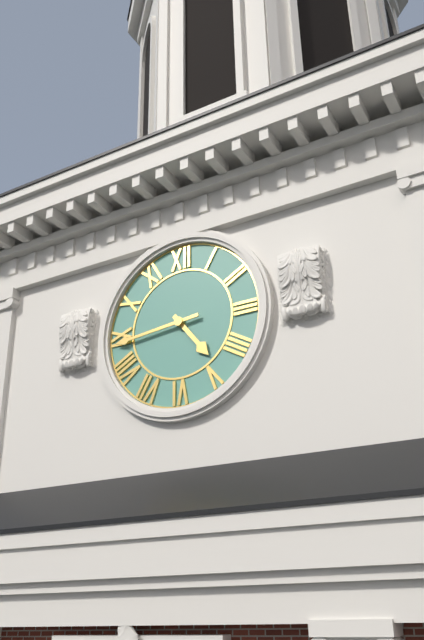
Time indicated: 4h44
